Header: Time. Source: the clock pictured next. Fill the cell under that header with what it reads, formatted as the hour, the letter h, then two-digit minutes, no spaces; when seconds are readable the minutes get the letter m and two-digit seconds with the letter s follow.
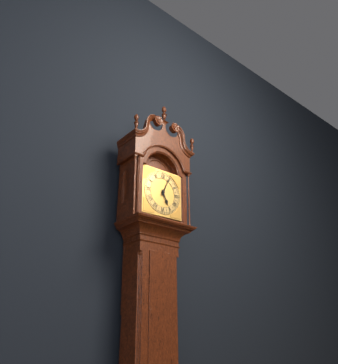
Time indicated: 5h04
